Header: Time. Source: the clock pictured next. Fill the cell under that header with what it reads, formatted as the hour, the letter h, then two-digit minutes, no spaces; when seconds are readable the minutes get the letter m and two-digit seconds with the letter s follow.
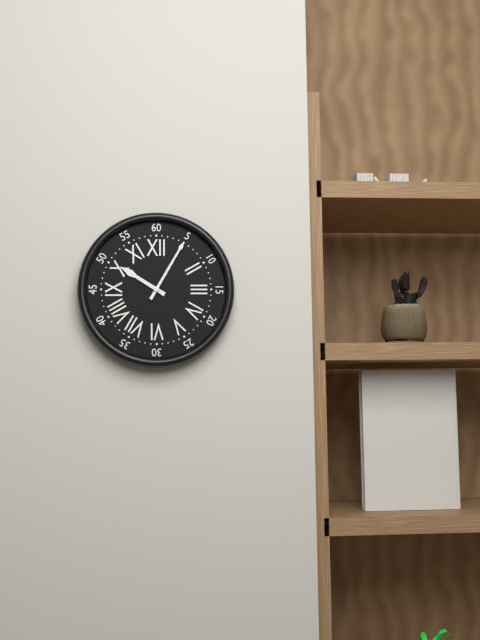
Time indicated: 10h05
